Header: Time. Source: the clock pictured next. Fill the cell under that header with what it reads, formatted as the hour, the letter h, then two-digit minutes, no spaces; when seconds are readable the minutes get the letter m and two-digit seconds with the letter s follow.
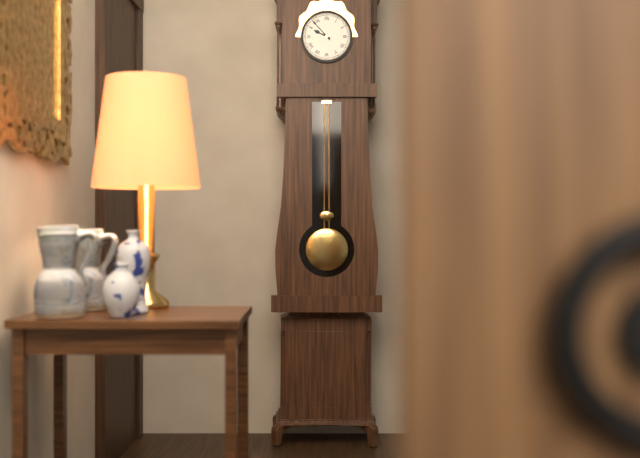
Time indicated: 9h53
